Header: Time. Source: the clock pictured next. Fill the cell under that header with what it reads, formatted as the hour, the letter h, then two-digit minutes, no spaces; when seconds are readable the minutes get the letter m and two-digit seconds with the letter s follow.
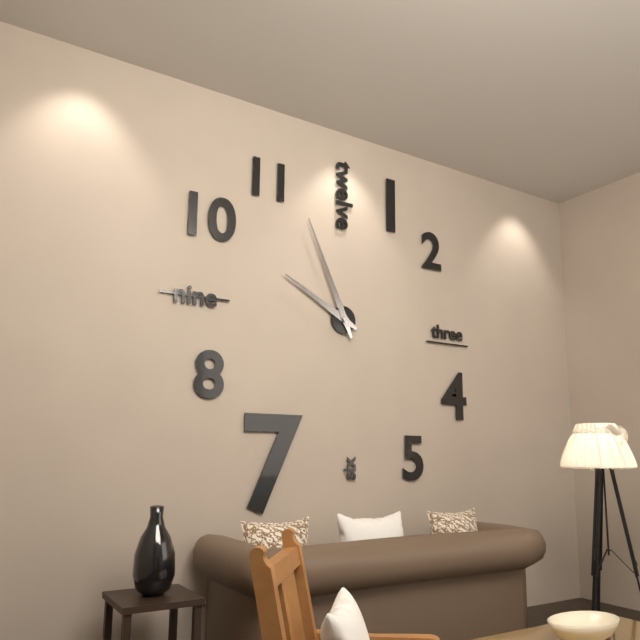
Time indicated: 9h56
